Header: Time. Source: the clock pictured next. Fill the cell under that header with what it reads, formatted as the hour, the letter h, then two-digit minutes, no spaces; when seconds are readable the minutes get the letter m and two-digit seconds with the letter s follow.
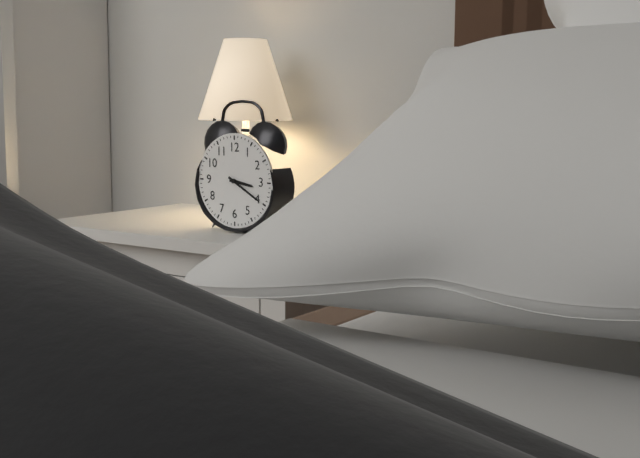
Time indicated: 3h20
